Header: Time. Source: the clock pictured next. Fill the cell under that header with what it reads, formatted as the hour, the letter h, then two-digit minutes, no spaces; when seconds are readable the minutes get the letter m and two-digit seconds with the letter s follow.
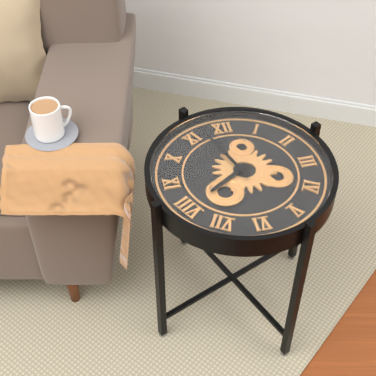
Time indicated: 7h57
